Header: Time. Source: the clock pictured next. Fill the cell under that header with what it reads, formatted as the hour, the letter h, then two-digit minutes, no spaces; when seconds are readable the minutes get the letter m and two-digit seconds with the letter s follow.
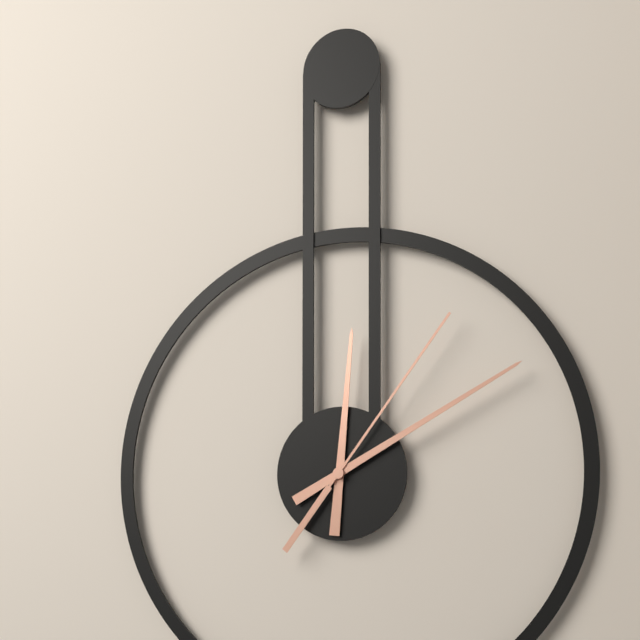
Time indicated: 12h10m06s
